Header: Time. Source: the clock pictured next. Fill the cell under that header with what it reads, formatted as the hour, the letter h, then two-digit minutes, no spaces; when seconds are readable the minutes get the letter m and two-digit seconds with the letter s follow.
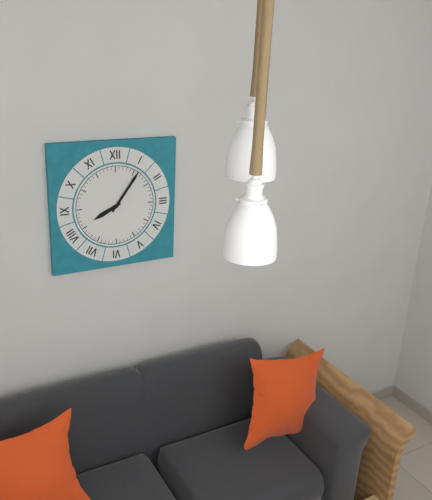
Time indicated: 8h06
